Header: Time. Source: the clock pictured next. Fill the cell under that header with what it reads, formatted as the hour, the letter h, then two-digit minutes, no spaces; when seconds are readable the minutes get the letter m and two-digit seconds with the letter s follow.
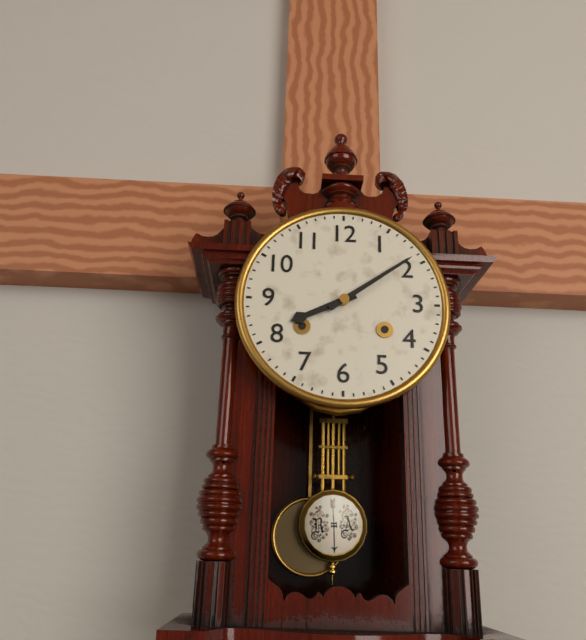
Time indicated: 8h09
